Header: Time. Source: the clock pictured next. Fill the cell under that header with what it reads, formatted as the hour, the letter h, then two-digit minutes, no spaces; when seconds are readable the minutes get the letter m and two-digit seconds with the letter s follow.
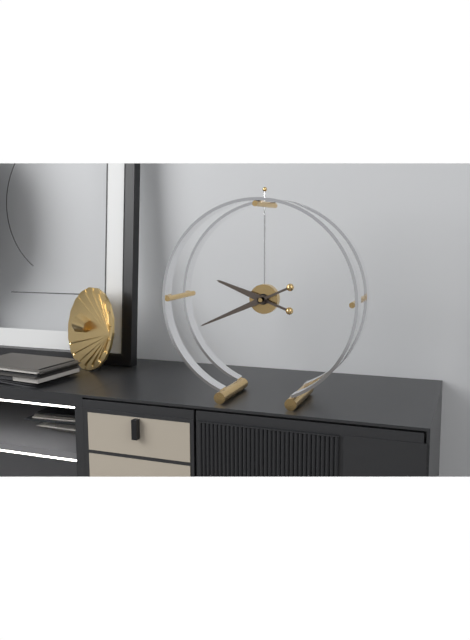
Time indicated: 9h41
